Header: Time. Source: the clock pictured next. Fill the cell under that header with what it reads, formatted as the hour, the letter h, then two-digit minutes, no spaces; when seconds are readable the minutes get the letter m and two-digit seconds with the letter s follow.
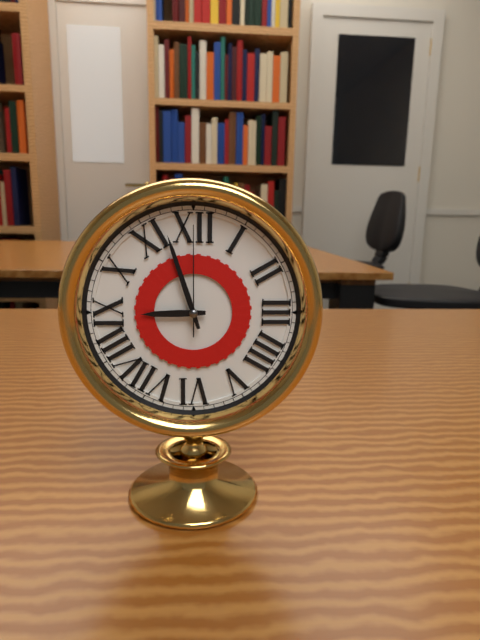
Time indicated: 8h57m00s
